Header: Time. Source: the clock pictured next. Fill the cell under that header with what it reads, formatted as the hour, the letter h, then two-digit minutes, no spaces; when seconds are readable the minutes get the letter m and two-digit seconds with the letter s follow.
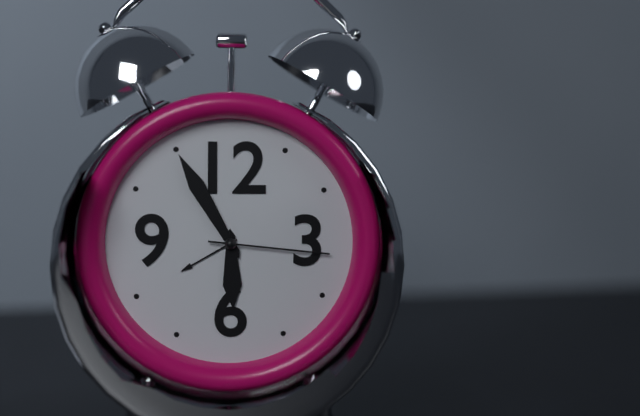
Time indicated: 5h55m16s
